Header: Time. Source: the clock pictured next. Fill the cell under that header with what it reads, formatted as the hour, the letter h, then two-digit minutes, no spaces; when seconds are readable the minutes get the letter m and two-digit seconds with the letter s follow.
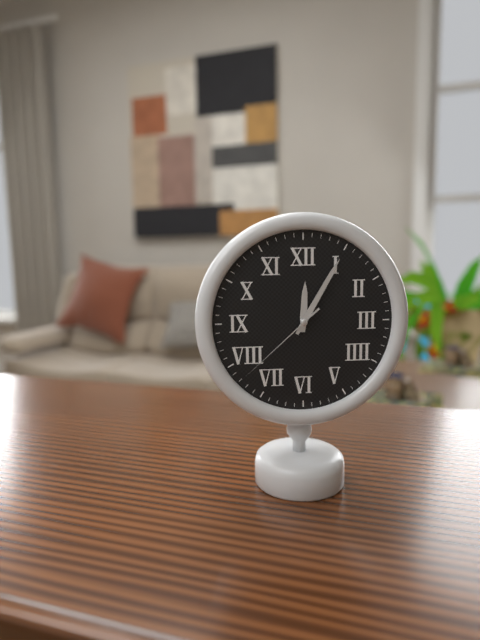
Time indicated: 12h05m38s
